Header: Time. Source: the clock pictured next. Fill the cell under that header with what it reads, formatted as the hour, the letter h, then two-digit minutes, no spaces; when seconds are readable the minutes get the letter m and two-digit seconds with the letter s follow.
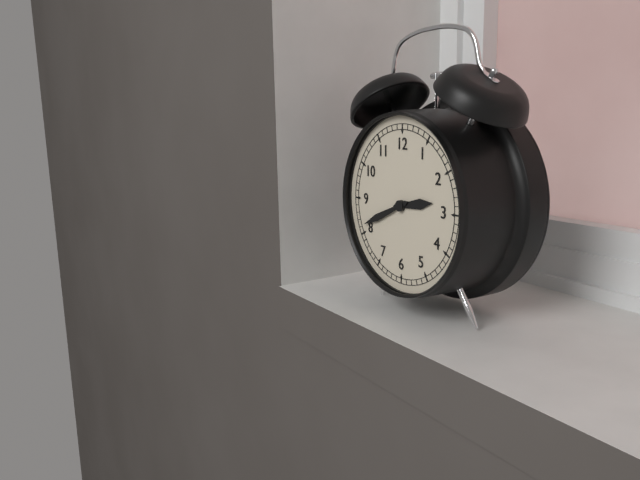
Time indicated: 2h41
